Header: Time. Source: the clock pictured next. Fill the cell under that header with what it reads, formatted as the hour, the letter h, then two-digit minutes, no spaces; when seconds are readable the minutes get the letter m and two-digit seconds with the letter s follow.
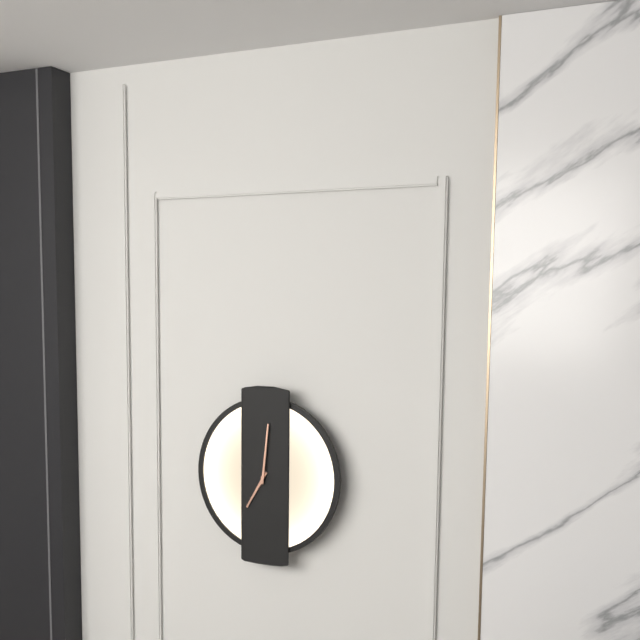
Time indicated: 7h01
